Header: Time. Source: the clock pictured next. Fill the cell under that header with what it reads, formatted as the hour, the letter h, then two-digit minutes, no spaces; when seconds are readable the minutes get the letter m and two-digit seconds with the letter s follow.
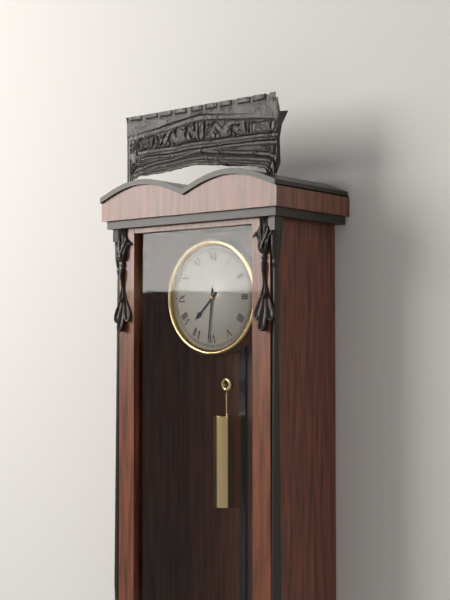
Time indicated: 7h31
